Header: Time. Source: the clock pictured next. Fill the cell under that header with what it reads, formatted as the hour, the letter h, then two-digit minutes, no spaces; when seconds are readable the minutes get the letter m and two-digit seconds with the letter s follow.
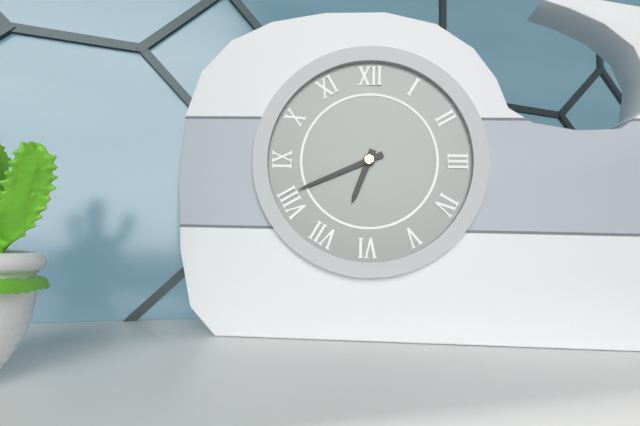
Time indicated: 6h41
